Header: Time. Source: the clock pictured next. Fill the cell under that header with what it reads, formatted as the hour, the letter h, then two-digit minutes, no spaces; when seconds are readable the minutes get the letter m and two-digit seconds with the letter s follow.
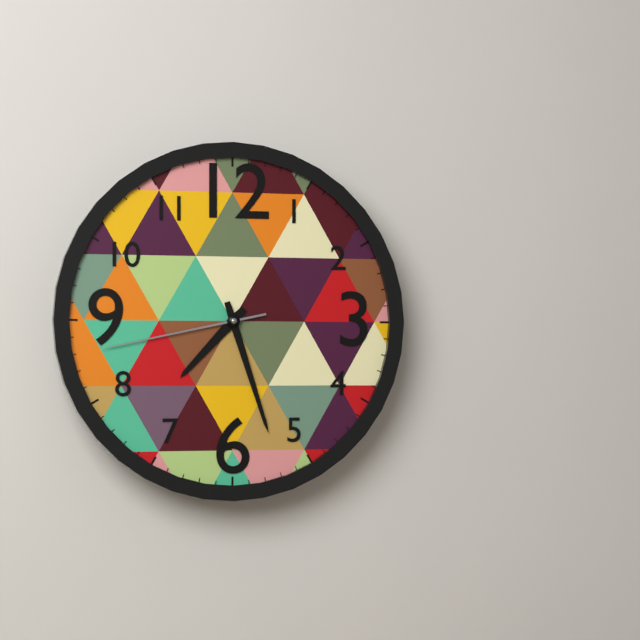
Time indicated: 7h27m43s
